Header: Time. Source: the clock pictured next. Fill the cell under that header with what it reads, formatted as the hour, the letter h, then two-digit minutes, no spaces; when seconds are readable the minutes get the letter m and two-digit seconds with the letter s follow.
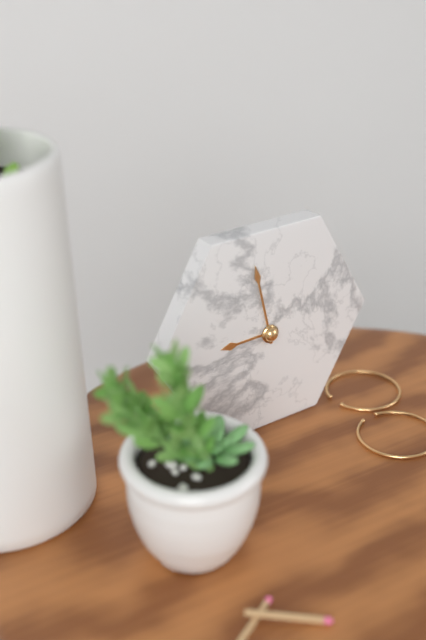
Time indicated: 8h58
